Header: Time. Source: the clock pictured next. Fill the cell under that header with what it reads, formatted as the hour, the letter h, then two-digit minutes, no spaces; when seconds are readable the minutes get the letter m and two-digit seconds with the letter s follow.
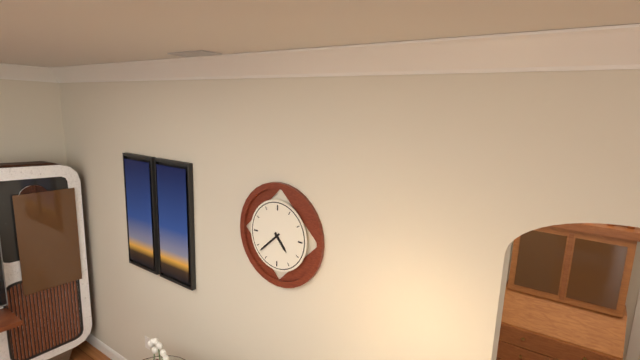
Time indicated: 4h38
